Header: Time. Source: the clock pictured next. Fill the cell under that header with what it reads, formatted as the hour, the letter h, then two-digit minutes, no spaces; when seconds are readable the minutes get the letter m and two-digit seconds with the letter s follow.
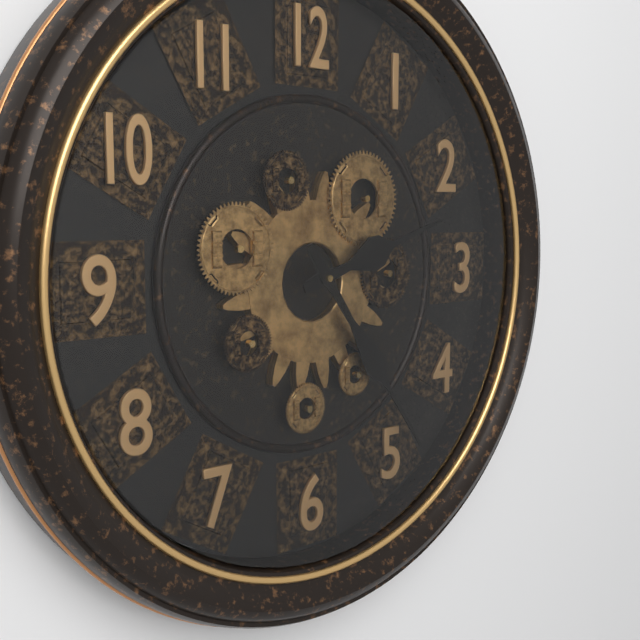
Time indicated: 2h24
